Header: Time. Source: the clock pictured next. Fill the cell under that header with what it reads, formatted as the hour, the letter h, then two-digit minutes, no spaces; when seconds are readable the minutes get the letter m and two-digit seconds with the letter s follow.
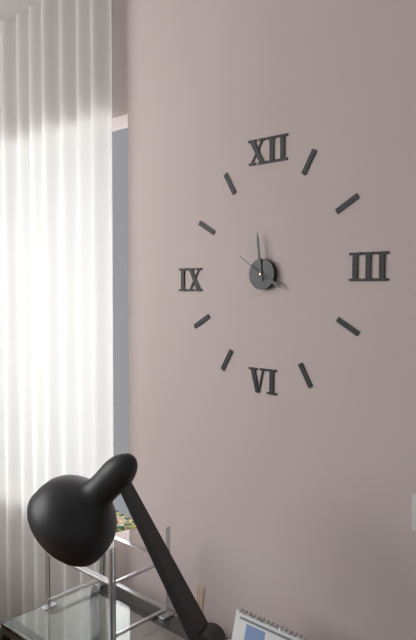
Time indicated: 3h59
